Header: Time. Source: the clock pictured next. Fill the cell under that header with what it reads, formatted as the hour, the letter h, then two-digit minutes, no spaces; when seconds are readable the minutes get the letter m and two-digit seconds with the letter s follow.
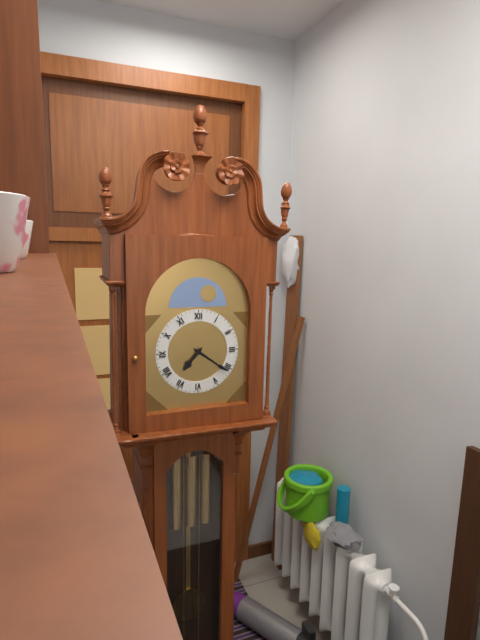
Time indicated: 7h21
